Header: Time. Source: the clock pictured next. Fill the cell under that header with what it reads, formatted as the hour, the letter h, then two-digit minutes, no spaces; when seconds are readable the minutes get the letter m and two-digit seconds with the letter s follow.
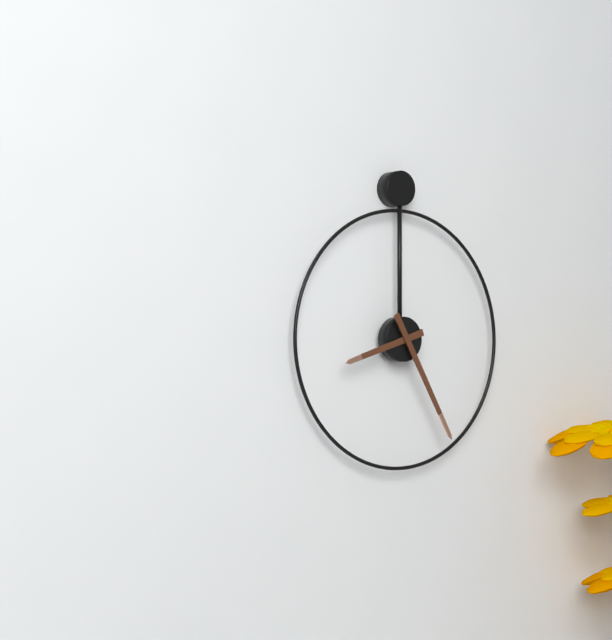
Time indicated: 8h25
